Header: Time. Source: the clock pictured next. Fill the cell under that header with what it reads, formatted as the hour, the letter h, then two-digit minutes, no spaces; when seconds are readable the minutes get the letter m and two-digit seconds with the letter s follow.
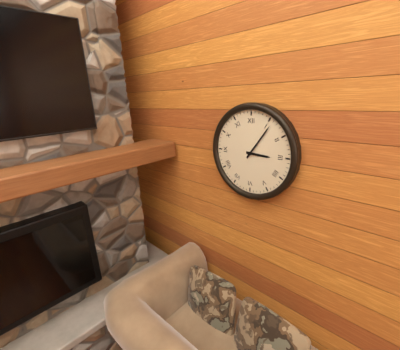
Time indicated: 3h06
